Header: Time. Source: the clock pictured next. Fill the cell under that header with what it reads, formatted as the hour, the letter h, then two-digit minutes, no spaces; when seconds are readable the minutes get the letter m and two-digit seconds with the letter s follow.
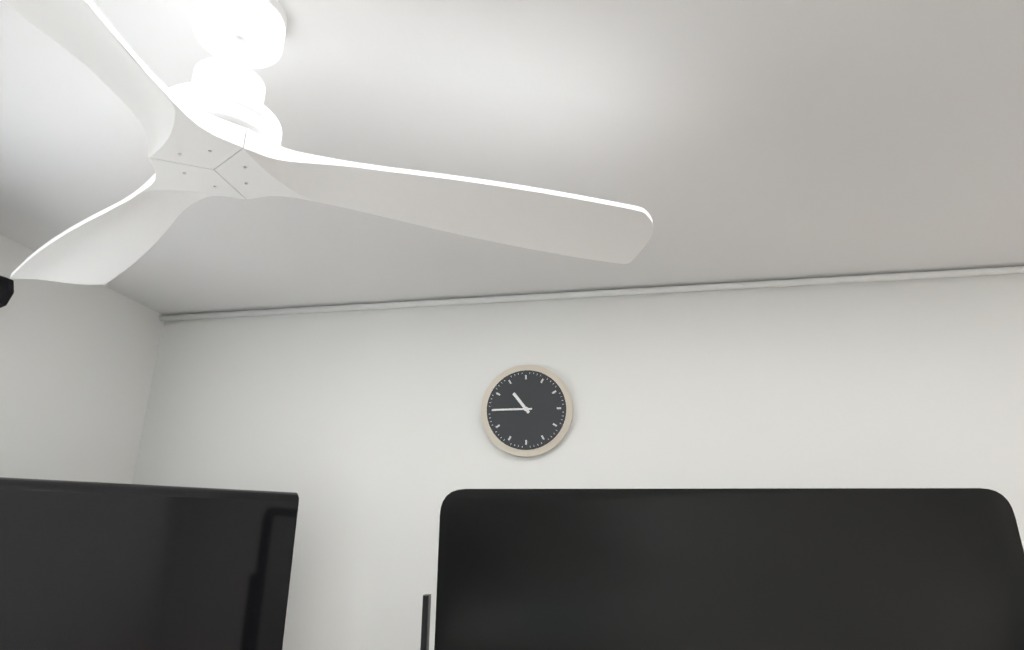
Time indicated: 10h45
